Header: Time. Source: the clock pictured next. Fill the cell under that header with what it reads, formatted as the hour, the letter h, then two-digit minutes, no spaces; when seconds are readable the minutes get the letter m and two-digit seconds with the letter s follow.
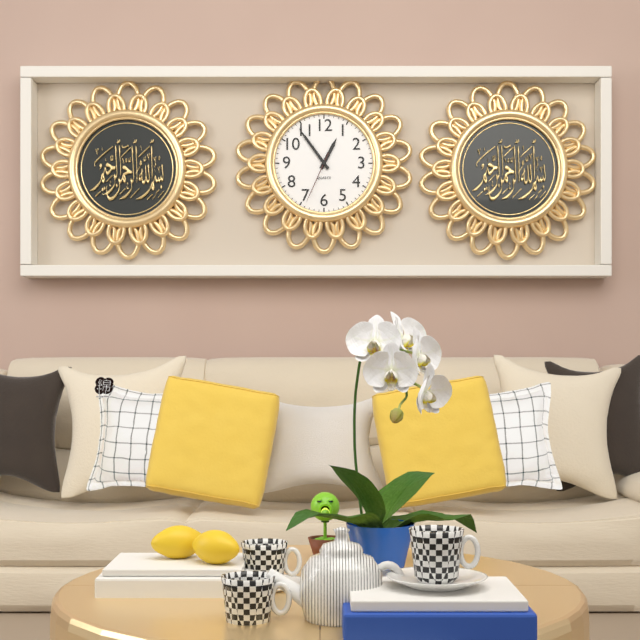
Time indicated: 12h54m34s
